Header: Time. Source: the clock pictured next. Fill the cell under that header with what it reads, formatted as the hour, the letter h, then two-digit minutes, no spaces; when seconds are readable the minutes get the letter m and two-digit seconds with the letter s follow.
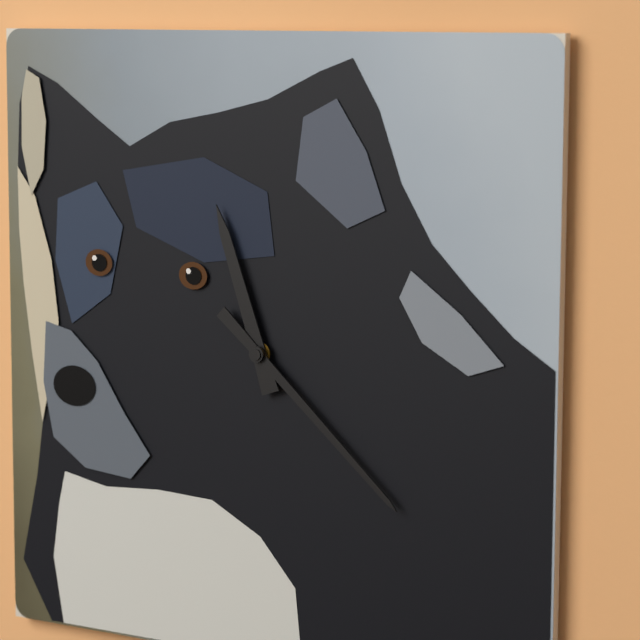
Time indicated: 11h22
